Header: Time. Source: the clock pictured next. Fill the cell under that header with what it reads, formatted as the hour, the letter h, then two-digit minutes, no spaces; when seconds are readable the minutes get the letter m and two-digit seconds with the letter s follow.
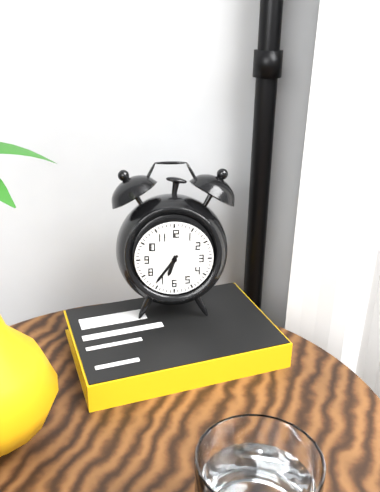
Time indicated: 6h36
